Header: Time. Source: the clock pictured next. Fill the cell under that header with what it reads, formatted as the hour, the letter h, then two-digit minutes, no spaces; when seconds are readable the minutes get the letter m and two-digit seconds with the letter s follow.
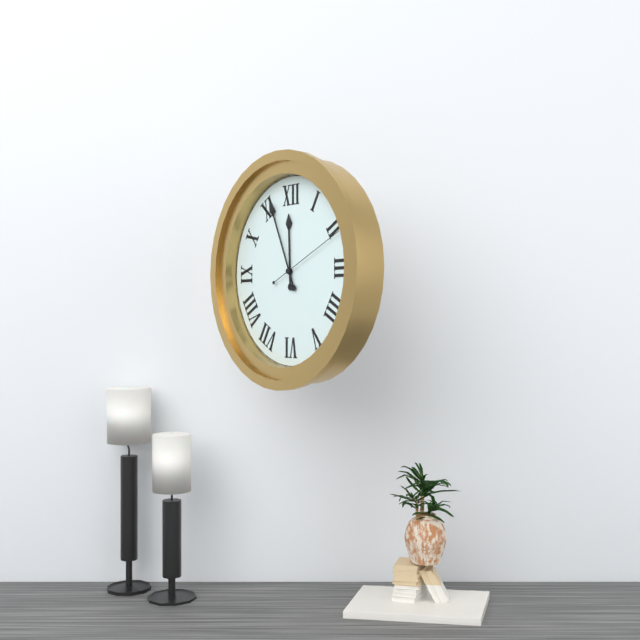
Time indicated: 11h56m11s
